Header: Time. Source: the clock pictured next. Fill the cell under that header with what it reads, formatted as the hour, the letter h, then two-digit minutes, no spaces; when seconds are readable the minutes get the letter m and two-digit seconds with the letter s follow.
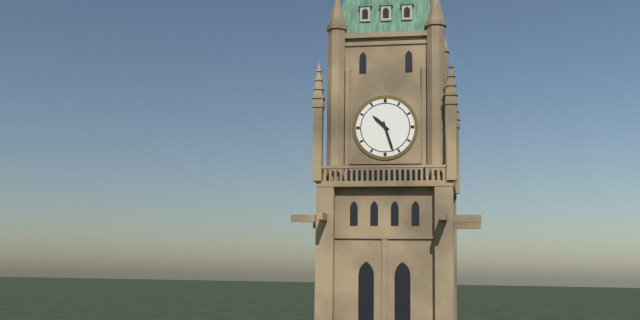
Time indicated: 10h27
